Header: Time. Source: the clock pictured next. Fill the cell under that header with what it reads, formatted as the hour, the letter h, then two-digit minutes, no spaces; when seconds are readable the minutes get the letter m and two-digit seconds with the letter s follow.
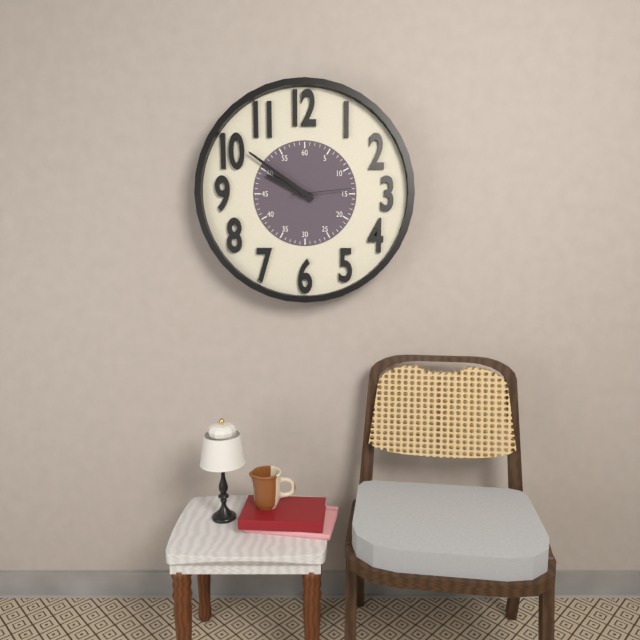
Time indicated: 9h51m14s
